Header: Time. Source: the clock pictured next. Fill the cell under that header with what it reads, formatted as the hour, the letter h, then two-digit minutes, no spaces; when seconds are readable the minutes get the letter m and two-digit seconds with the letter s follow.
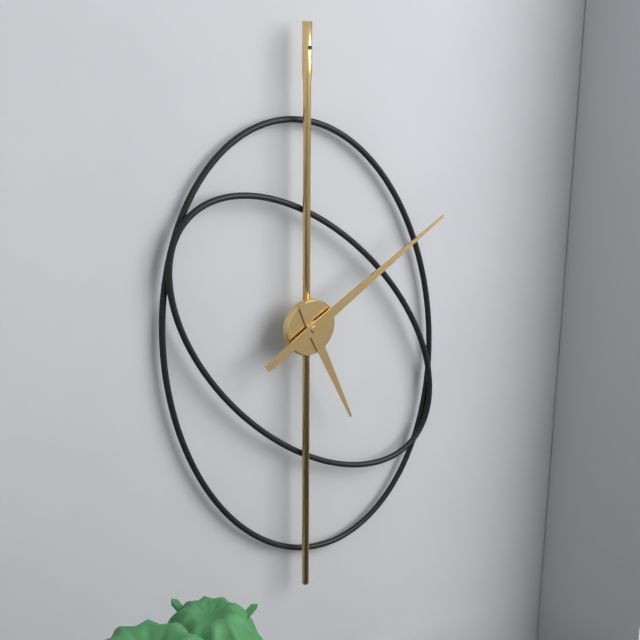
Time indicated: 5h10
